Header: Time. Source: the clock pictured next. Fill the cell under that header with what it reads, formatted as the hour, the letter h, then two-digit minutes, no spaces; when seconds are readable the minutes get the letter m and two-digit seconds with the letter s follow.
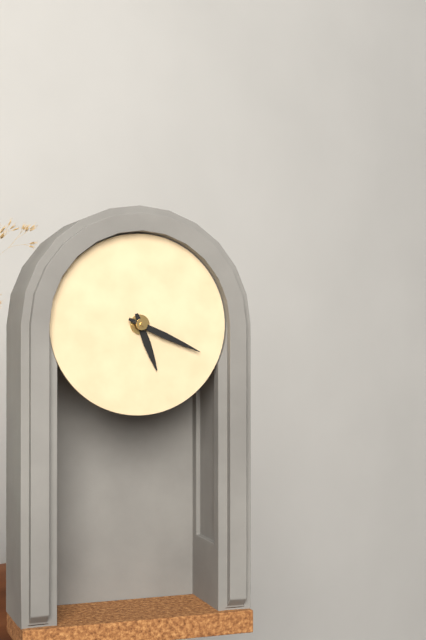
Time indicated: 5h19
